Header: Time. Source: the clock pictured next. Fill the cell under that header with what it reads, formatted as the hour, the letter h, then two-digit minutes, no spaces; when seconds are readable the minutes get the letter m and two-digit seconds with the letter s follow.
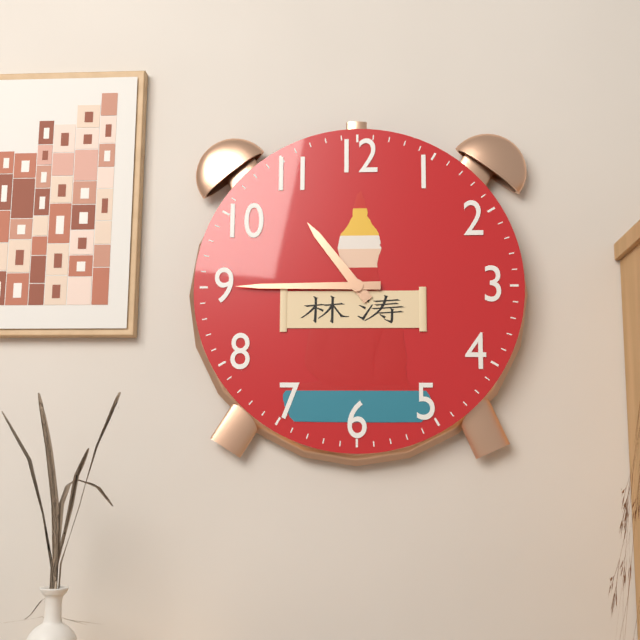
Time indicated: 10h45
